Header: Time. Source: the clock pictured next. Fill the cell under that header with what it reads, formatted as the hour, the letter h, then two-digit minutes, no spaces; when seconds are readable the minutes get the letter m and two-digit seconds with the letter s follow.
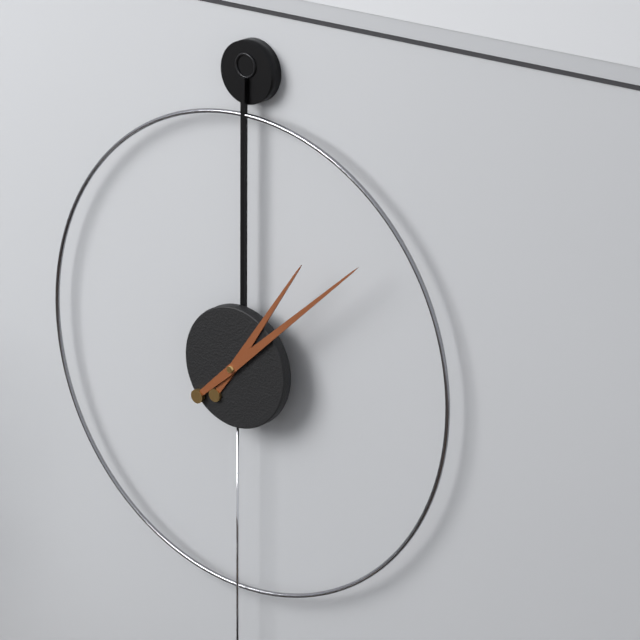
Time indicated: 1h08
